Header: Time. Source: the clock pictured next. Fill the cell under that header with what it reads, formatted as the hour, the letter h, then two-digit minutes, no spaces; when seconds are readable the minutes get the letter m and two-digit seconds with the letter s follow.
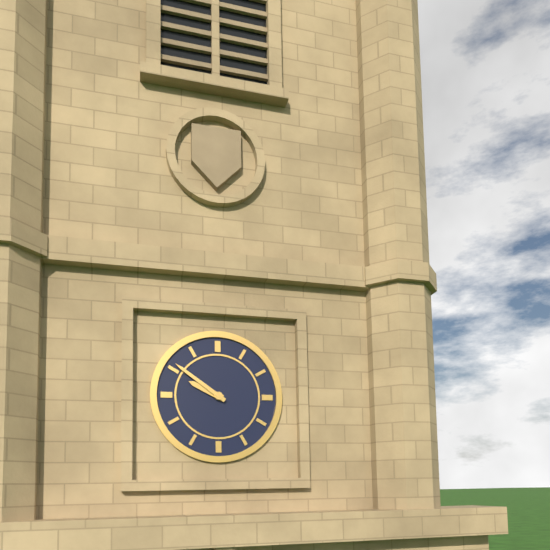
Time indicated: 9h51
